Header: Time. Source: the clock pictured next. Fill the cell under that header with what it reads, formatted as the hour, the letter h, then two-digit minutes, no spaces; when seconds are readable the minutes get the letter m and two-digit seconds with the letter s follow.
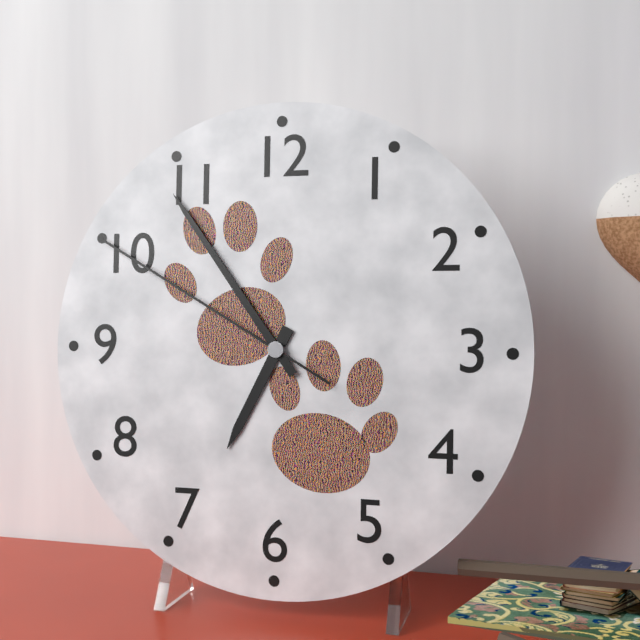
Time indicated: 6h54m50s
